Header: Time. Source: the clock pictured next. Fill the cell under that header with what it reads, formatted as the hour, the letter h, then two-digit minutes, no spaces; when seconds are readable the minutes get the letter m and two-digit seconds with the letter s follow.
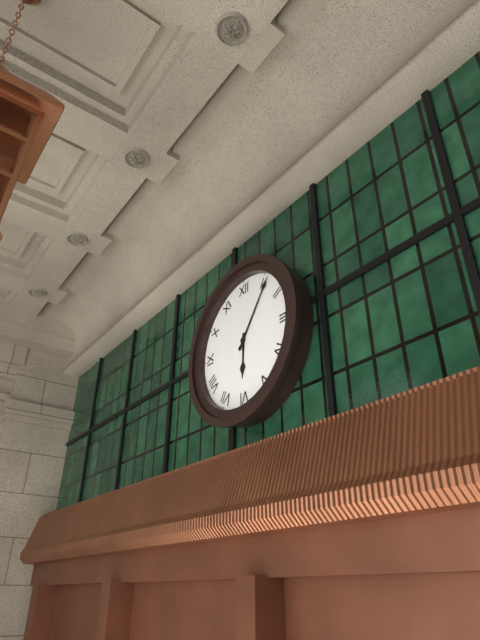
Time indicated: 6h06
